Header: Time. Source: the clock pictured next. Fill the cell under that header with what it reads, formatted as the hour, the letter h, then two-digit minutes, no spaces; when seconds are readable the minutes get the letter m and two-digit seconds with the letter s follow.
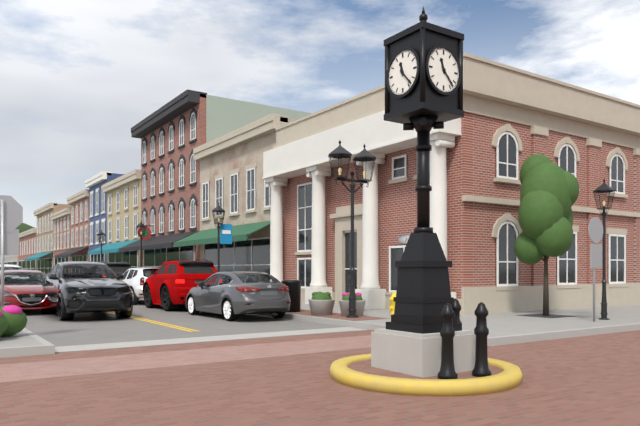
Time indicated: 11h23
